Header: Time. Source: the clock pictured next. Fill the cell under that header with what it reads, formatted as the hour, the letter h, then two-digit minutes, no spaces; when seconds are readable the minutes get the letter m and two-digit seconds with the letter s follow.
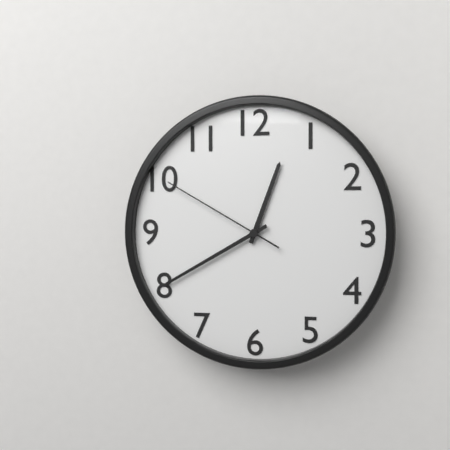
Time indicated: 12h40m50s
